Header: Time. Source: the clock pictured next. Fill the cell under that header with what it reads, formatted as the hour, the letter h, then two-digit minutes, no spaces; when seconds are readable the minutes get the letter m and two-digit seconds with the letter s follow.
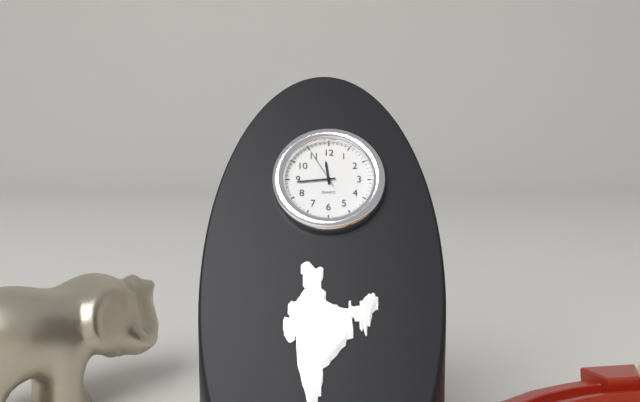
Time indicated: 11h44
